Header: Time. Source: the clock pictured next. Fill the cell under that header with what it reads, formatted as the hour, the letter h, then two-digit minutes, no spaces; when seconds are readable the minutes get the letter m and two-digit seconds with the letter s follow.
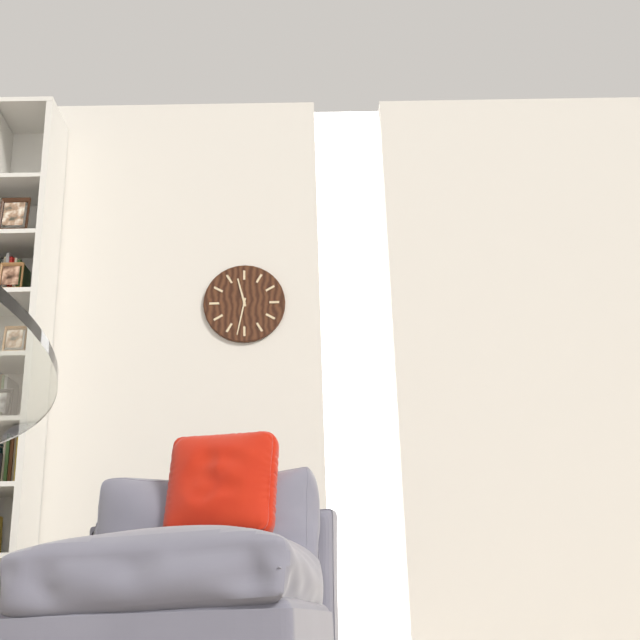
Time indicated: 11h32
